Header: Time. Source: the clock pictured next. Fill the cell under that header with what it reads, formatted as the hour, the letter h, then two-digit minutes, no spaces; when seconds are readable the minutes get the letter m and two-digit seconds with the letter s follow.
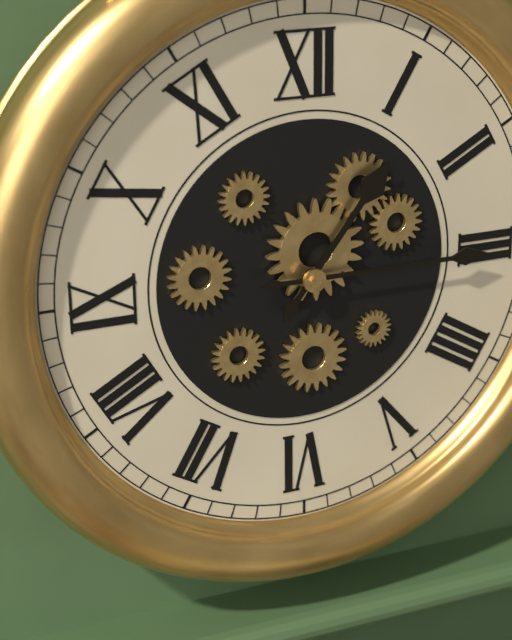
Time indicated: 1h15
